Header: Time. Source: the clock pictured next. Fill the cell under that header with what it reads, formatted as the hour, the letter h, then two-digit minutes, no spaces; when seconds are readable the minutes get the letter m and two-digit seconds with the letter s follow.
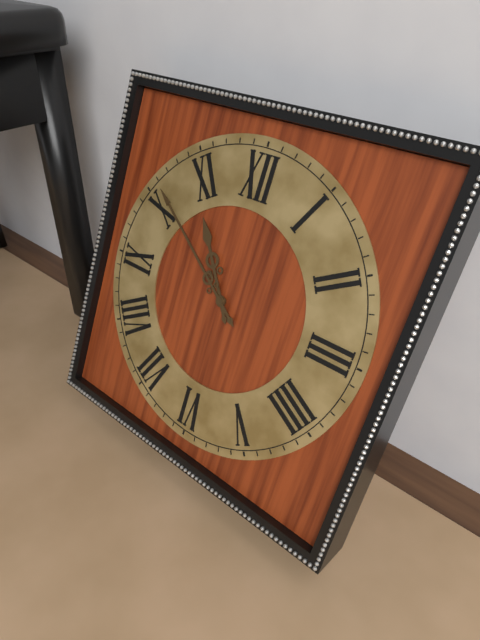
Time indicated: 10h51
